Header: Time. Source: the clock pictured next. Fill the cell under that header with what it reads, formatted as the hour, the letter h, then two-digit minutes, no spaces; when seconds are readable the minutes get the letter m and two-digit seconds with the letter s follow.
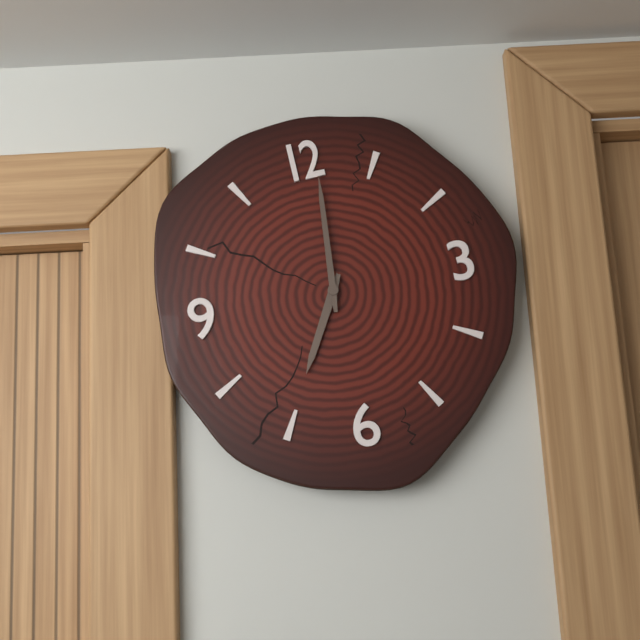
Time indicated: 7h01
